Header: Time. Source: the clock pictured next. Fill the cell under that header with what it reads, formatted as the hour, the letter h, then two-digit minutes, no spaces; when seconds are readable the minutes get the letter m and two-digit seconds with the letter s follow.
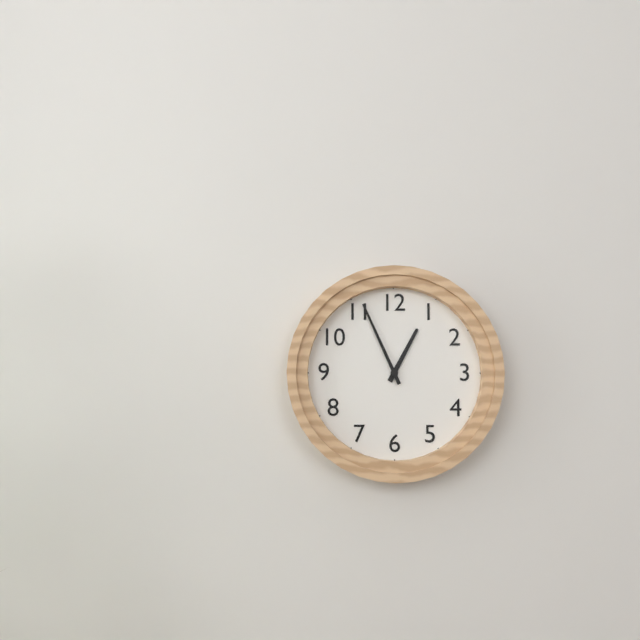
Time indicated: 12h56
